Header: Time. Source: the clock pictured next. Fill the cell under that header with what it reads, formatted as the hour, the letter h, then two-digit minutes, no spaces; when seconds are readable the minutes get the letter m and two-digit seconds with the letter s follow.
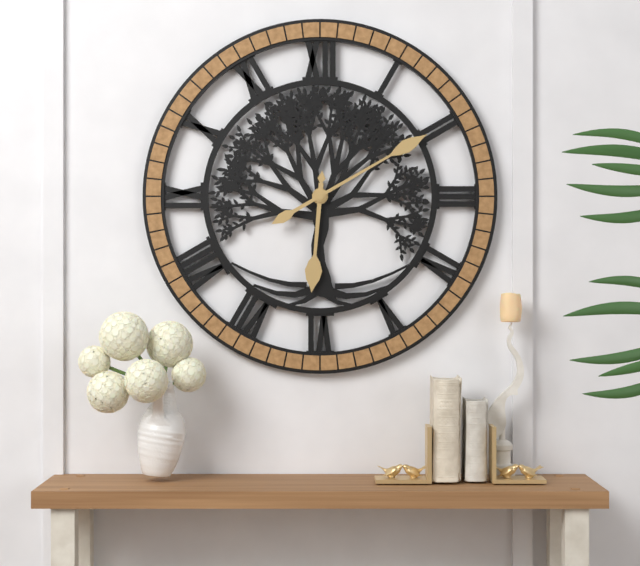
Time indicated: 6h10
